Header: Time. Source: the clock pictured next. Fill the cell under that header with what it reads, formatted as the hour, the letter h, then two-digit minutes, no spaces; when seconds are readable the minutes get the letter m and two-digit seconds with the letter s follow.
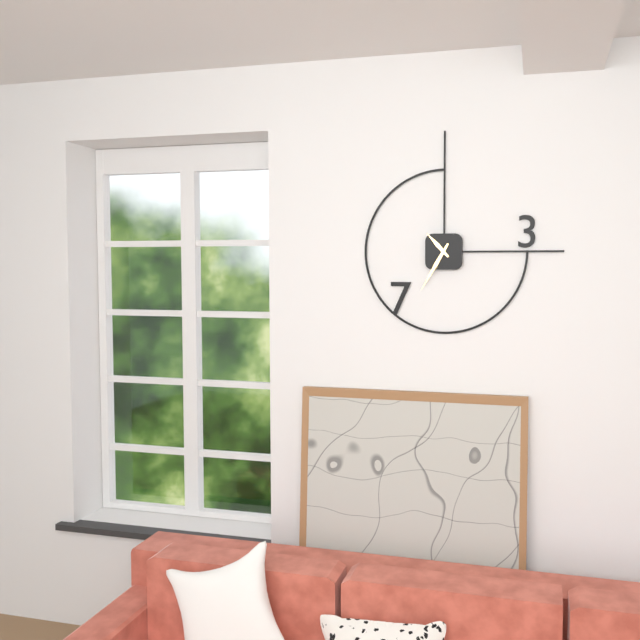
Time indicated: 10h35
